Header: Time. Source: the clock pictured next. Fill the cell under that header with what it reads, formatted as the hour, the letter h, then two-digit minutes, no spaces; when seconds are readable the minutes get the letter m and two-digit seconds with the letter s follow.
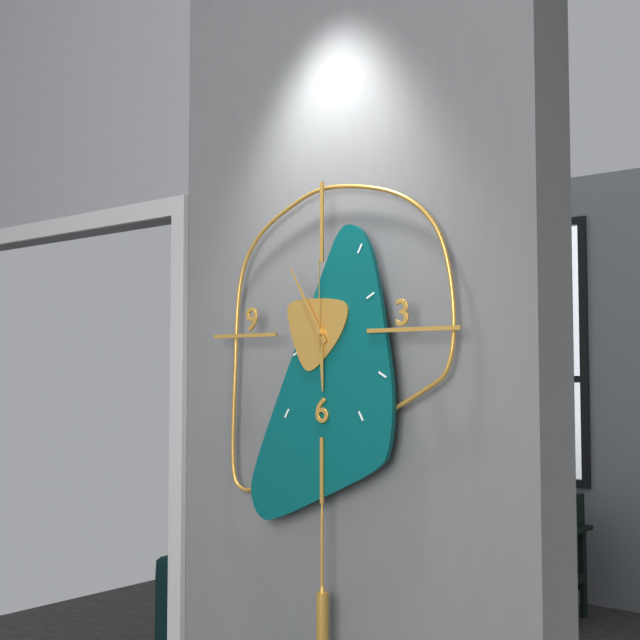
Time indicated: 5h55m00s
